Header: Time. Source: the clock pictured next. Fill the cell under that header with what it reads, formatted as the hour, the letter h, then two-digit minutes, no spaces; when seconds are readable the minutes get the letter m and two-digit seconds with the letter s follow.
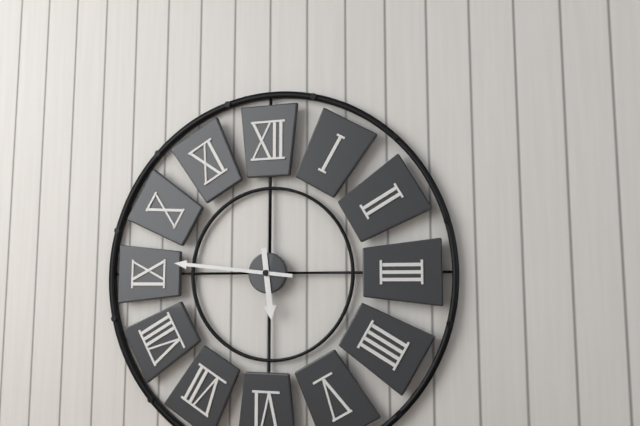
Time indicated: 5h46
